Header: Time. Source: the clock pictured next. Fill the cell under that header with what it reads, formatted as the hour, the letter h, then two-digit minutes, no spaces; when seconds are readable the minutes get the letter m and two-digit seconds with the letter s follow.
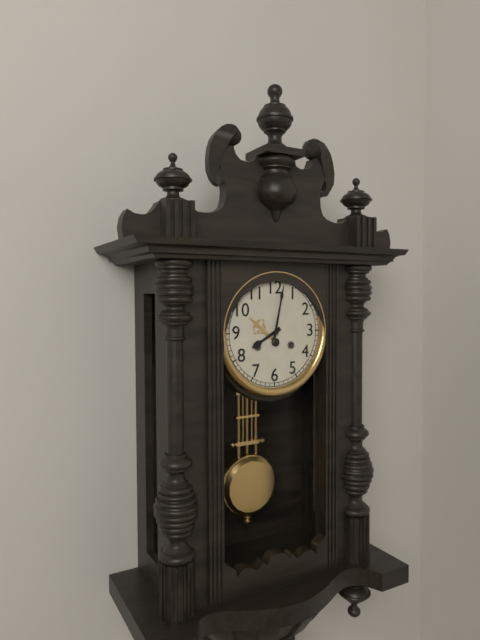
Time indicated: 8h02
